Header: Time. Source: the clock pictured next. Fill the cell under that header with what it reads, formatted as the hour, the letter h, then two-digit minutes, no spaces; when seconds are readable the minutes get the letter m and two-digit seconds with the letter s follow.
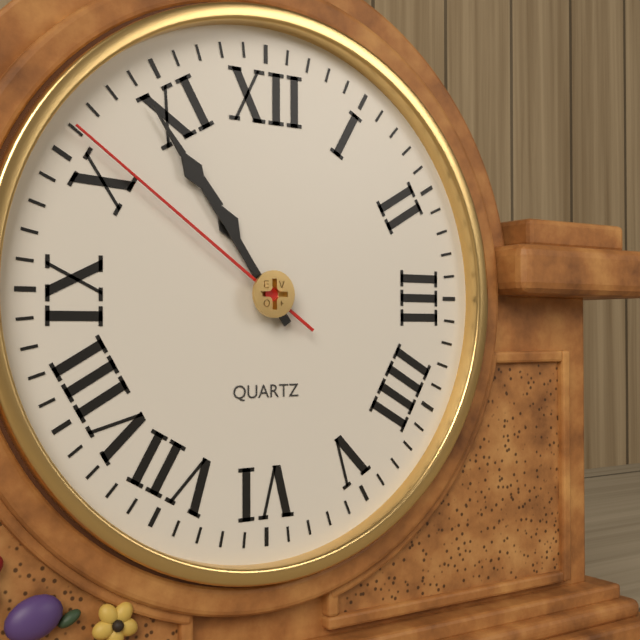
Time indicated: 10h54m51s
